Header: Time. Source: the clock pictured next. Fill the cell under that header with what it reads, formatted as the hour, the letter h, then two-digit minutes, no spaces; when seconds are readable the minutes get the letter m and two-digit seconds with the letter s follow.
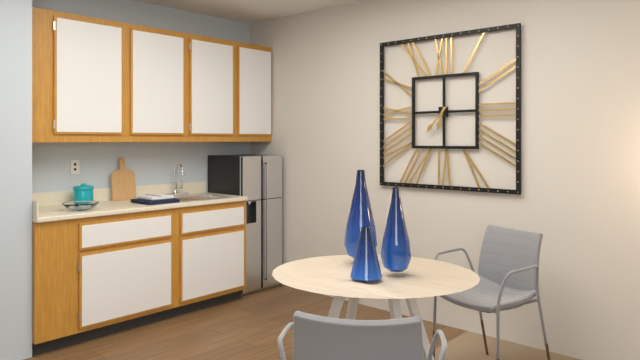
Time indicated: 6h37
